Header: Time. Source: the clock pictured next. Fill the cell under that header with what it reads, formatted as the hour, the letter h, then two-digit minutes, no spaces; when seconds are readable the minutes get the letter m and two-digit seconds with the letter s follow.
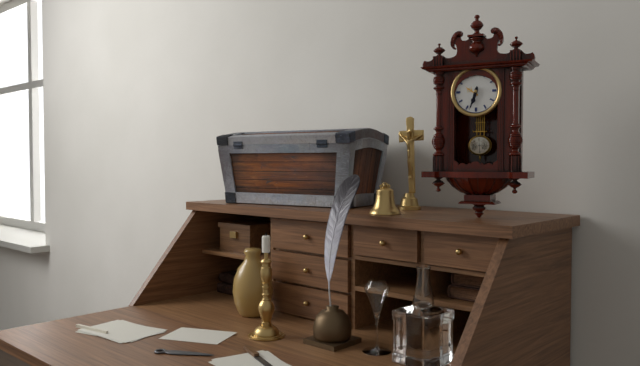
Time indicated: 6h33
